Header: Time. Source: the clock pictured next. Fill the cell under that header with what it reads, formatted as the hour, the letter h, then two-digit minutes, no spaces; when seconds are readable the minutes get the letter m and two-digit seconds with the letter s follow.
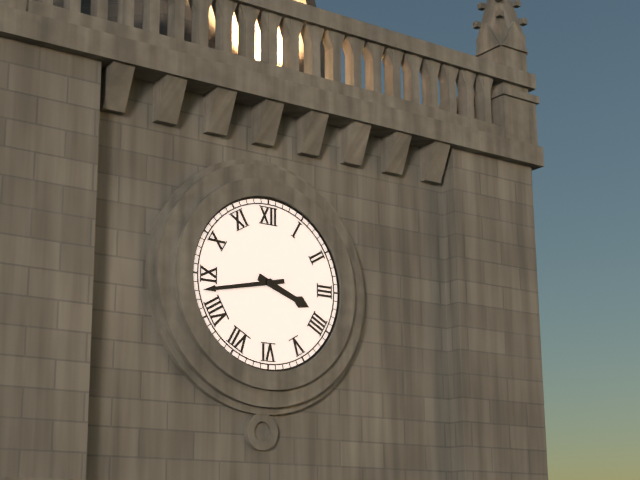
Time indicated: 3h43
